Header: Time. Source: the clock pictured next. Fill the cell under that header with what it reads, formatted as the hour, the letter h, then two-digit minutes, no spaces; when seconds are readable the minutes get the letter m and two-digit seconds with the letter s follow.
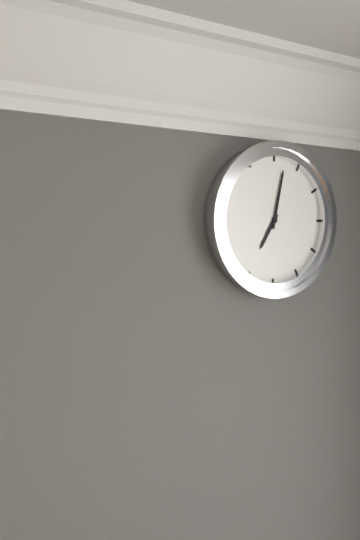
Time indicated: 7h02
